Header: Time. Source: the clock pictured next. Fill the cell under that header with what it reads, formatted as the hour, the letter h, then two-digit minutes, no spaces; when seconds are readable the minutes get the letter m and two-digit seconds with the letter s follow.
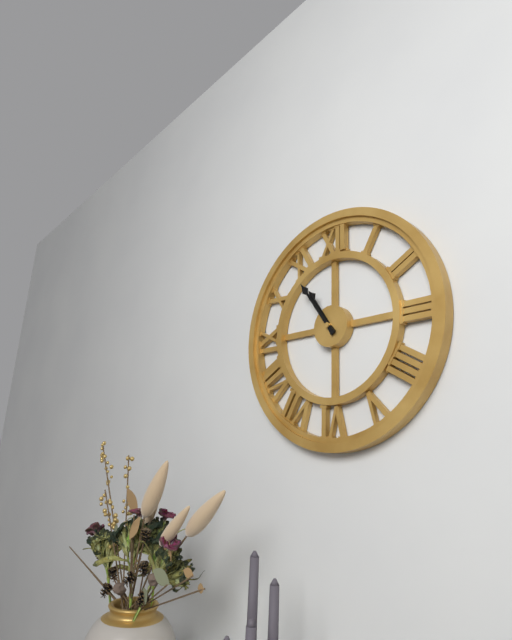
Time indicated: 10h54
